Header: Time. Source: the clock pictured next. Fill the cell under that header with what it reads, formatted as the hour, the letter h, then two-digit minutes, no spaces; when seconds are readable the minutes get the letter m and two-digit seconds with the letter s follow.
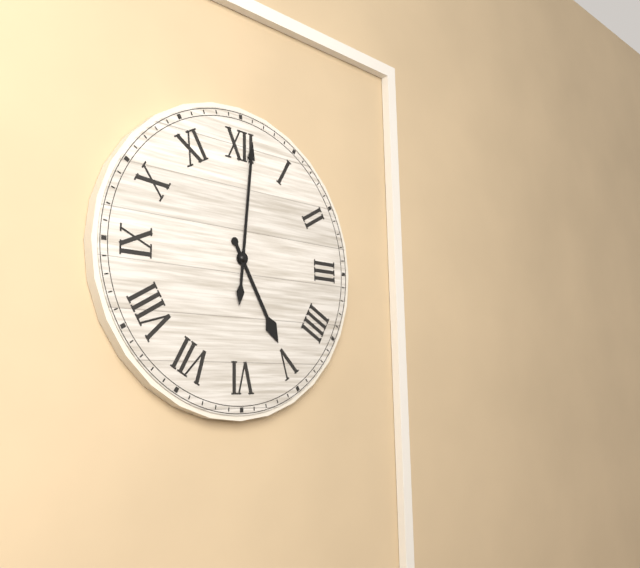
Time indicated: 5h01
